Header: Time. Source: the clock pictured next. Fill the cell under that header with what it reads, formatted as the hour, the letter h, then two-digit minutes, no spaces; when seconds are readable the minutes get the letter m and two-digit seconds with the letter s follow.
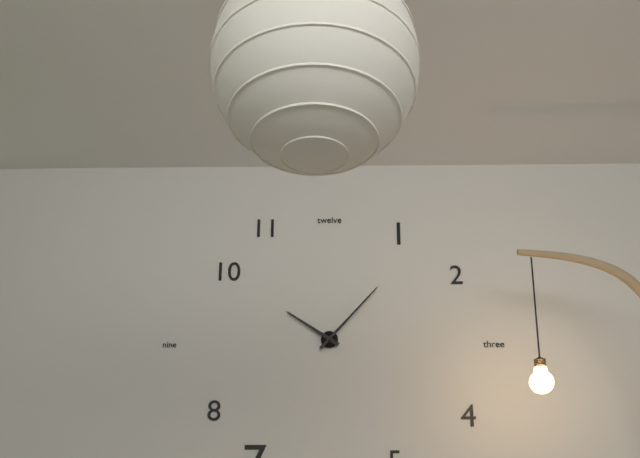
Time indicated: 10h07
